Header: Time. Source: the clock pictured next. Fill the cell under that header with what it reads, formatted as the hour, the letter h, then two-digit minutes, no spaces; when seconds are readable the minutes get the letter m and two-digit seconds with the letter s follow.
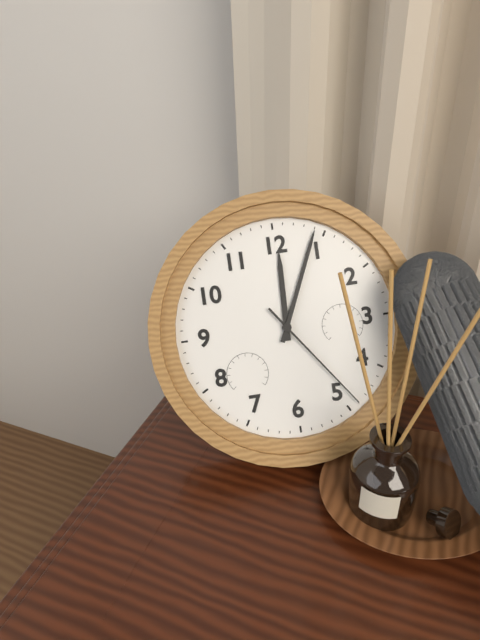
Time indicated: 12h04m24s
